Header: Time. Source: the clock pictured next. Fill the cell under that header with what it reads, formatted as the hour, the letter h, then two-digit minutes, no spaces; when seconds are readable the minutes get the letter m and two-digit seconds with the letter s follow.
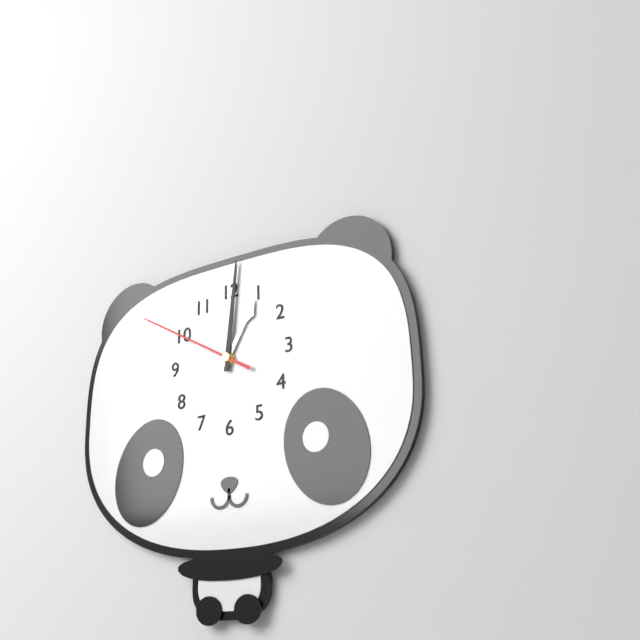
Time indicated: 1h01m50s
